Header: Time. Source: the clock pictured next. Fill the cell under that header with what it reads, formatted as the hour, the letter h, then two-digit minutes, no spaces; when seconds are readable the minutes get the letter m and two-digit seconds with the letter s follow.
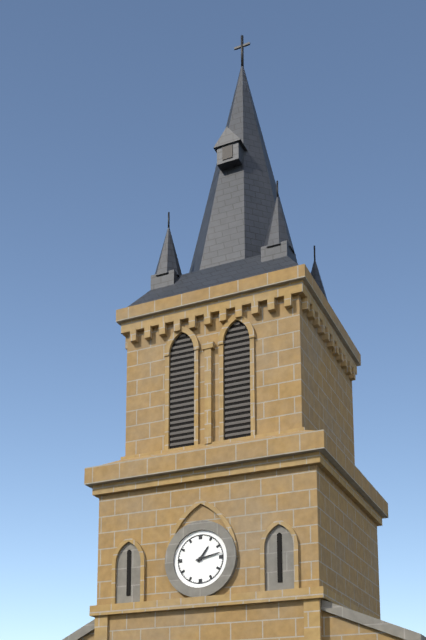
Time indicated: 1h13
